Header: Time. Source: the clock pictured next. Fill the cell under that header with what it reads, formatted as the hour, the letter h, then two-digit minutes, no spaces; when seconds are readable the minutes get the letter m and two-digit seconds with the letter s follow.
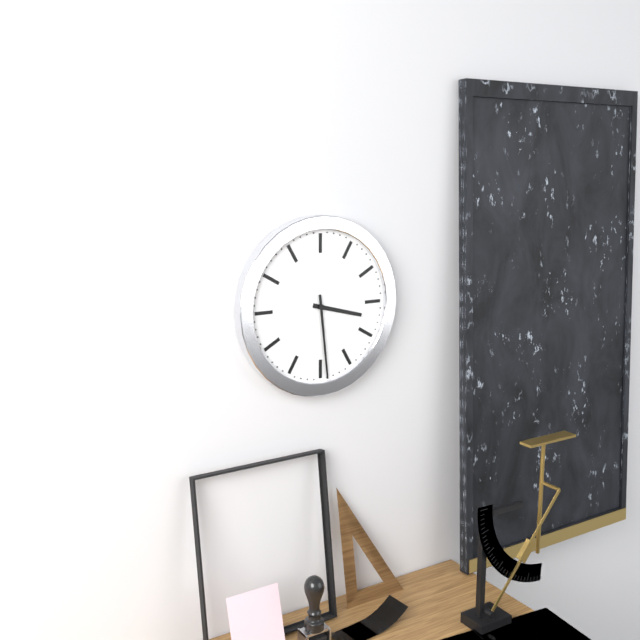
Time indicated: 3h29
